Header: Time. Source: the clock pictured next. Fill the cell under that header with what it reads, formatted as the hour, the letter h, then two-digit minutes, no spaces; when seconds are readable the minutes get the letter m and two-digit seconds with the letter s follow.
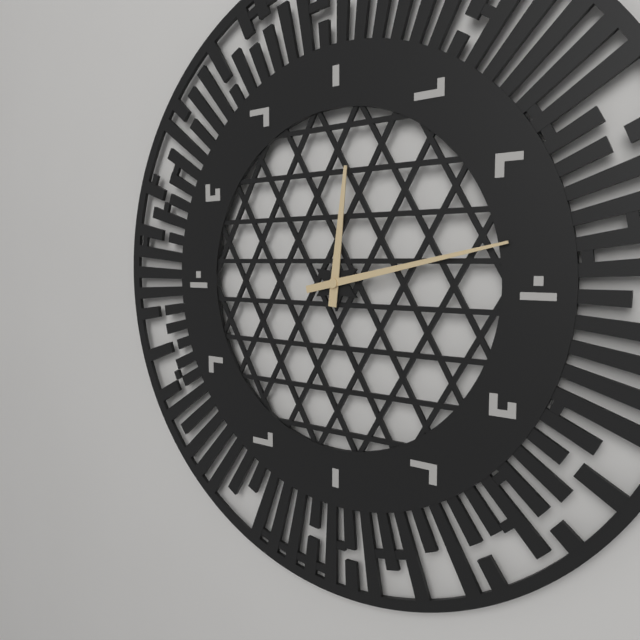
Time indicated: 12h13
